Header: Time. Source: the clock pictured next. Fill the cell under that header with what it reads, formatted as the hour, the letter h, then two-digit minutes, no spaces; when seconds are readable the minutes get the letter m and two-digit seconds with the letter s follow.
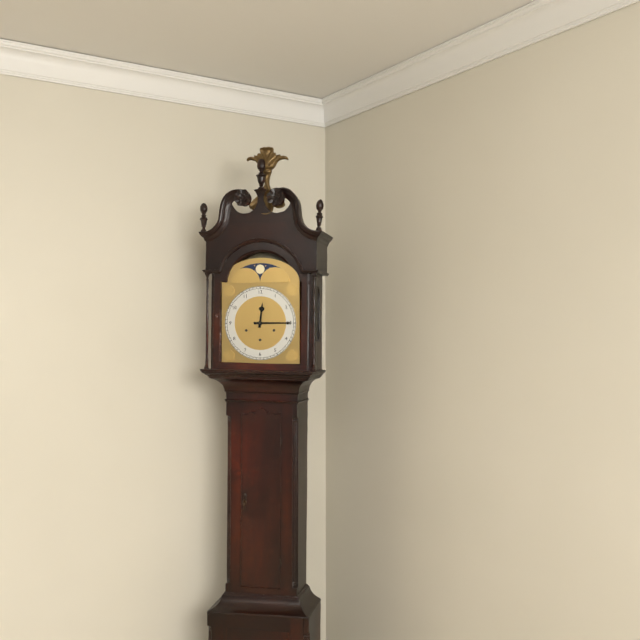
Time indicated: 12h15
